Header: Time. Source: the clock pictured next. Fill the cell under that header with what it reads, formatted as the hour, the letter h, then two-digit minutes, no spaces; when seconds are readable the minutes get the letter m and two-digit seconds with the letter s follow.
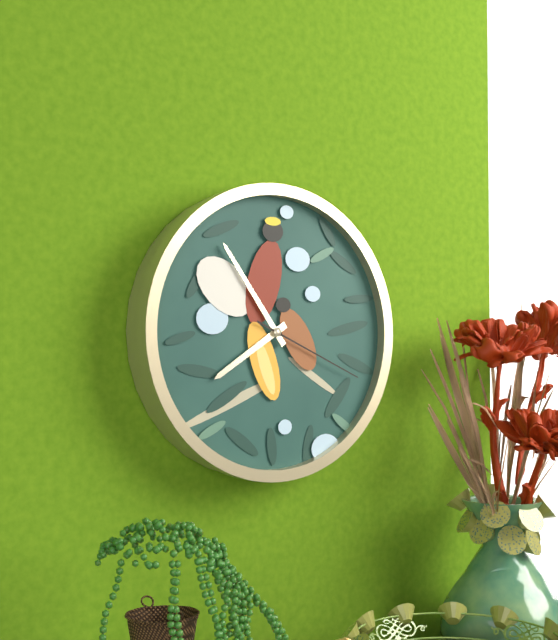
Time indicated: 7h54m19s
